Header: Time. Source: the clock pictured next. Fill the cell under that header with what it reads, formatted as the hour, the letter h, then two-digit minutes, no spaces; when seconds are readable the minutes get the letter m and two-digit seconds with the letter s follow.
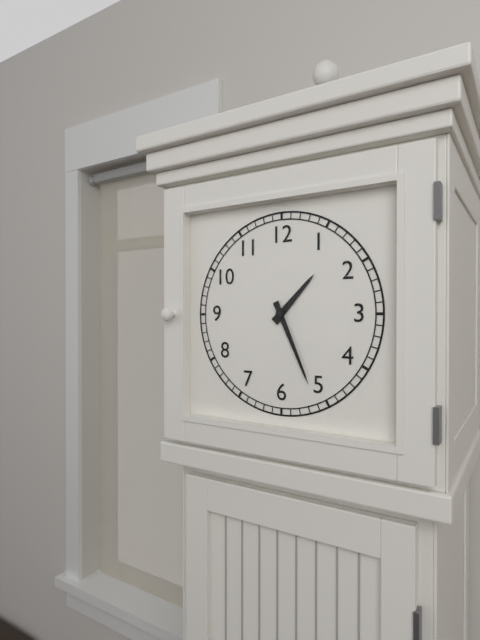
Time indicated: 1h26
